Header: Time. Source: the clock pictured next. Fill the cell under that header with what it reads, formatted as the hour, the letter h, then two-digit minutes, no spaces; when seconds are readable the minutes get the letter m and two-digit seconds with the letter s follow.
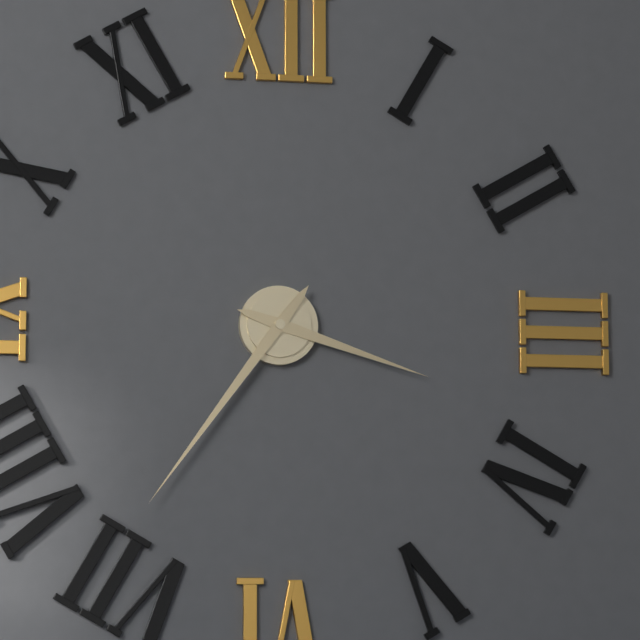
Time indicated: 3h36
